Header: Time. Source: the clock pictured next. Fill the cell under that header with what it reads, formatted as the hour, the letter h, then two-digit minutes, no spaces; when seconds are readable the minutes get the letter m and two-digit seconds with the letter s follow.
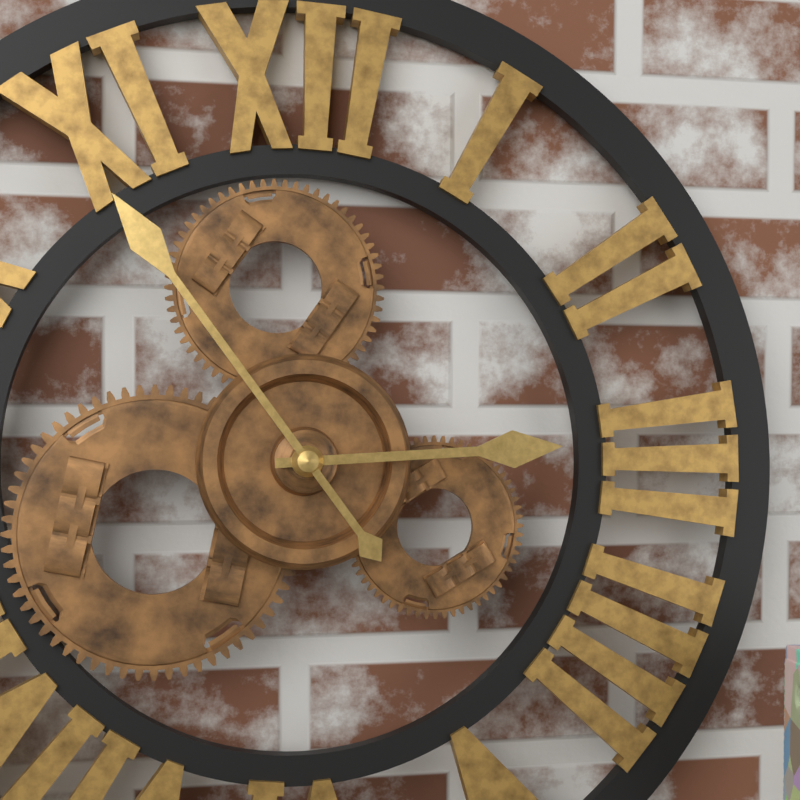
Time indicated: 2h54
